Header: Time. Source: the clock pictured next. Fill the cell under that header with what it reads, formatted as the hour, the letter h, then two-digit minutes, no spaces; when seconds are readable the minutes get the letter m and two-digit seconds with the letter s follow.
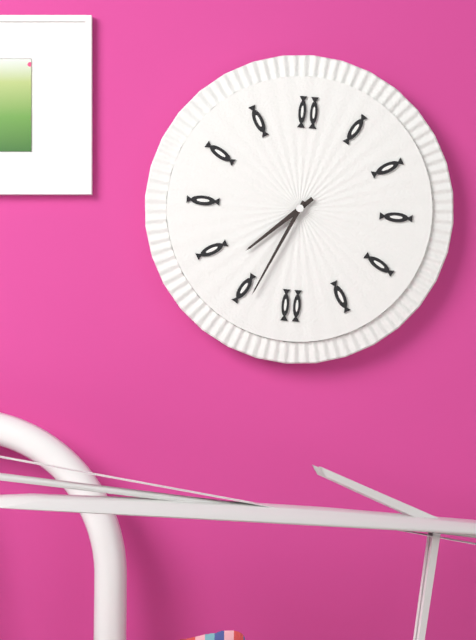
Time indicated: 7h34
